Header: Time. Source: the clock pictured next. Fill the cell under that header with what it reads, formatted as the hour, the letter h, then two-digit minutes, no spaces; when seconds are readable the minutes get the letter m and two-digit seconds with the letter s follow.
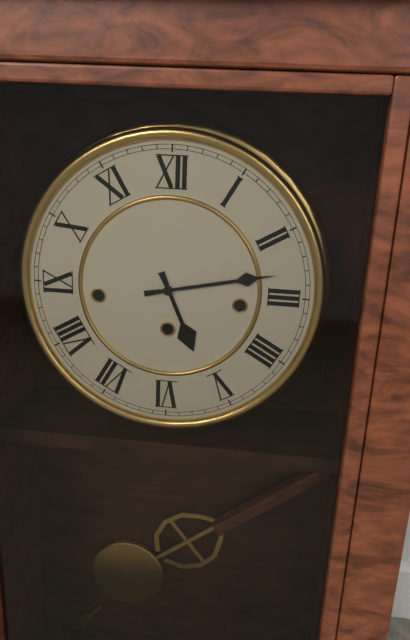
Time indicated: 5h13
